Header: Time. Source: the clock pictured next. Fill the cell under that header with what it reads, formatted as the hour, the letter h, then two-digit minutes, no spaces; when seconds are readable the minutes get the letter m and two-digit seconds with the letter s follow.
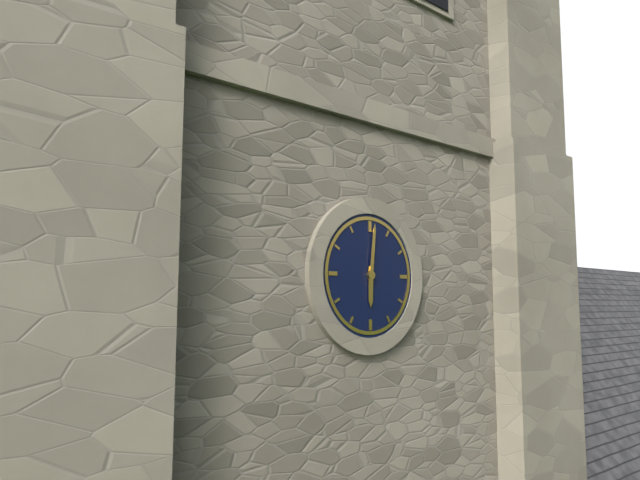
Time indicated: 6h01
